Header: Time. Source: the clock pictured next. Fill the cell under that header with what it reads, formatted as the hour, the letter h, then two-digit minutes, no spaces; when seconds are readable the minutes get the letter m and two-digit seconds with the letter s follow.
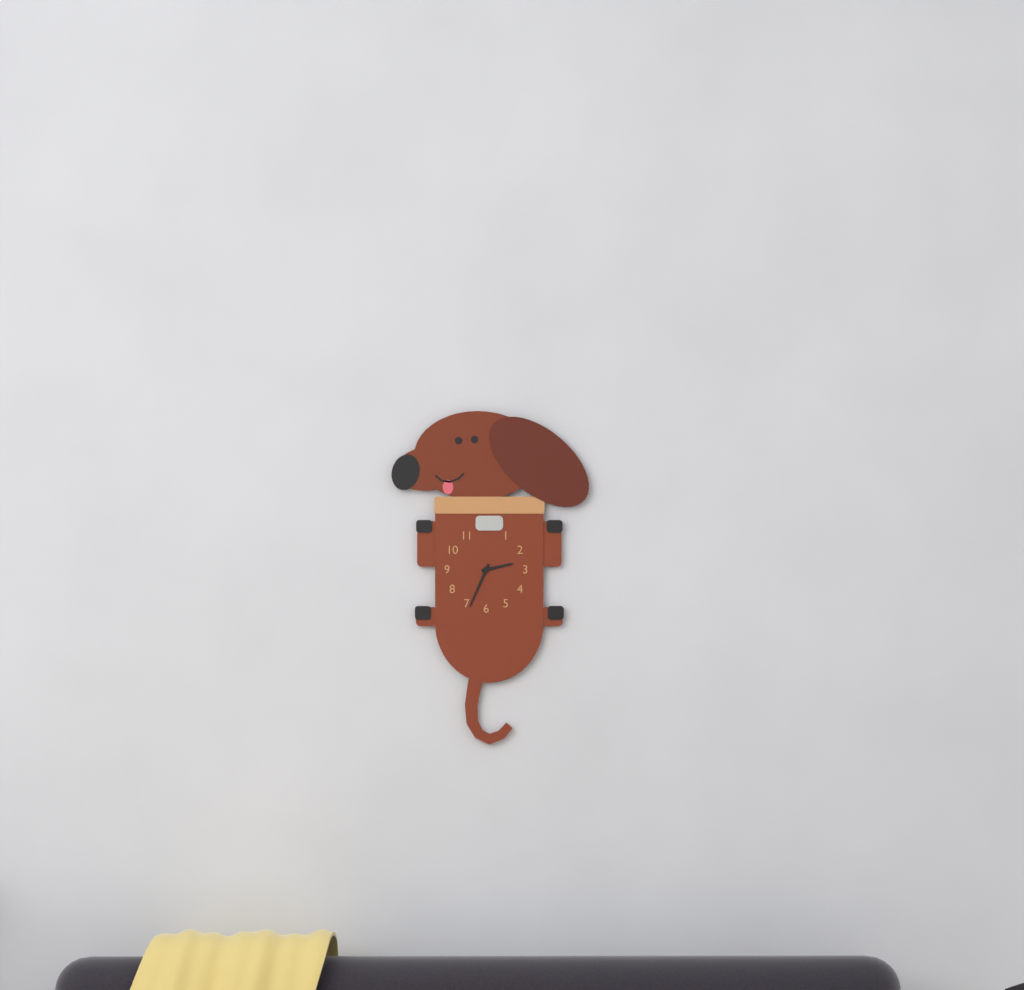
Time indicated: 2h34
